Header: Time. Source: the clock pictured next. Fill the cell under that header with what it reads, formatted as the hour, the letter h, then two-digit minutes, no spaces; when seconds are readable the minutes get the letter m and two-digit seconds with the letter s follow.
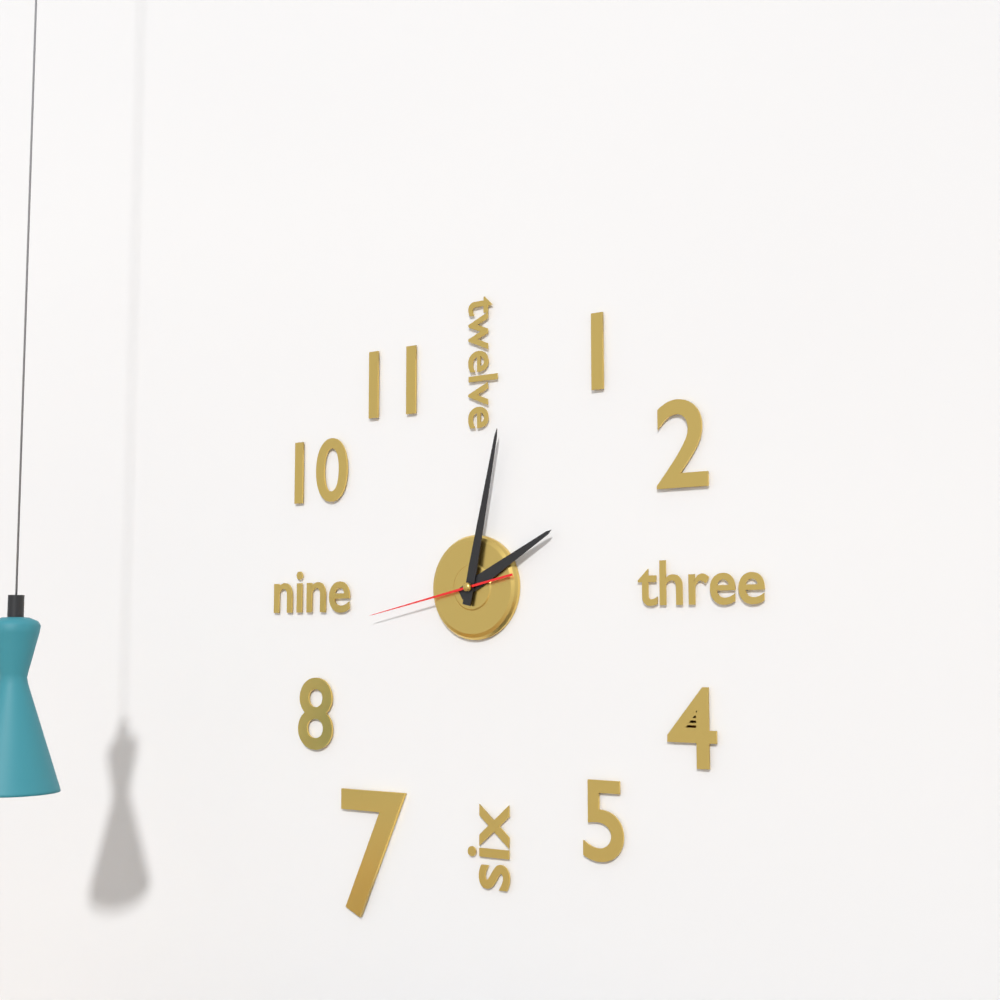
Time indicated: 2h02m43s
